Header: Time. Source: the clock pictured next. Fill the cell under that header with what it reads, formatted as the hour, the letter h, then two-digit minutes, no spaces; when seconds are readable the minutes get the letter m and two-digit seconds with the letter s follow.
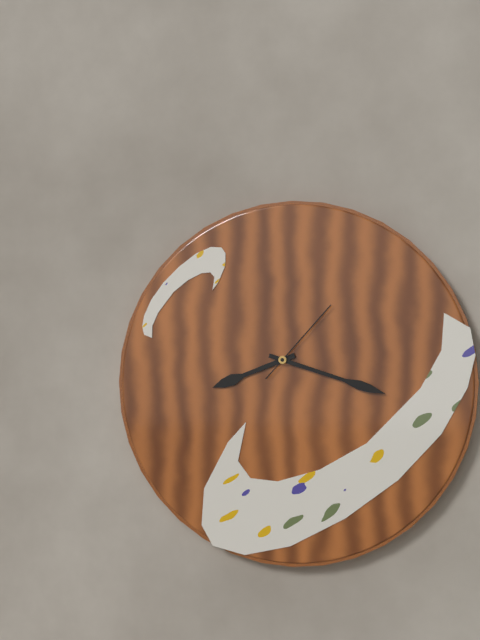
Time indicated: 8h18m07s
